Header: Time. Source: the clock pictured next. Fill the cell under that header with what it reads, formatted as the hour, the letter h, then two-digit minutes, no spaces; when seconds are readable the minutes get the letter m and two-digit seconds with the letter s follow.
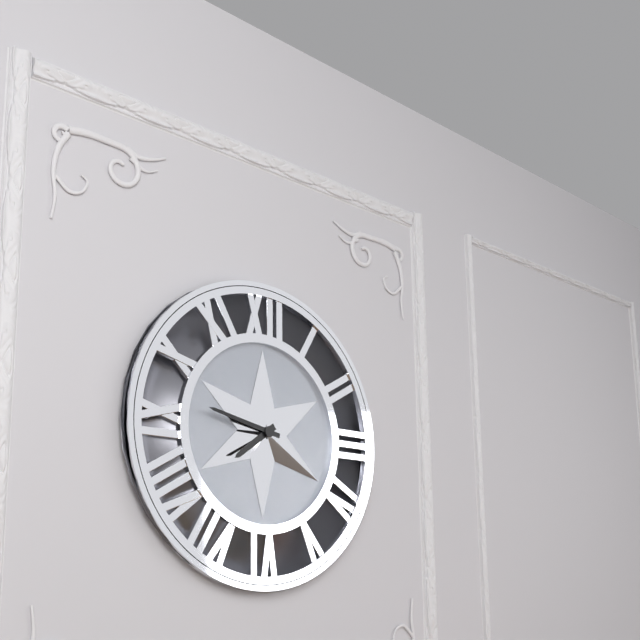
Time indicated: 7h47
